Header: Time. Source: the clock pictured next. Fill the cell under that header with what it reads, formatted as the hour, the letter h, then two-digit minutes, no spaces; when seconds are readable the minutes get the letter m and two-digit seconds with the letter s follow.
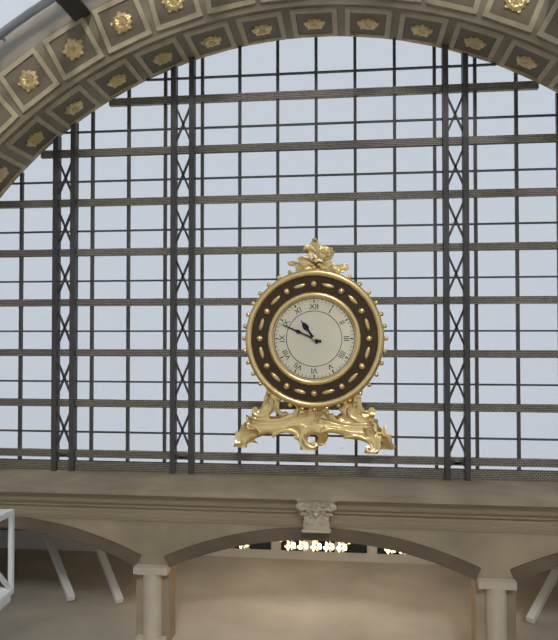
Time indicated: 10h49
